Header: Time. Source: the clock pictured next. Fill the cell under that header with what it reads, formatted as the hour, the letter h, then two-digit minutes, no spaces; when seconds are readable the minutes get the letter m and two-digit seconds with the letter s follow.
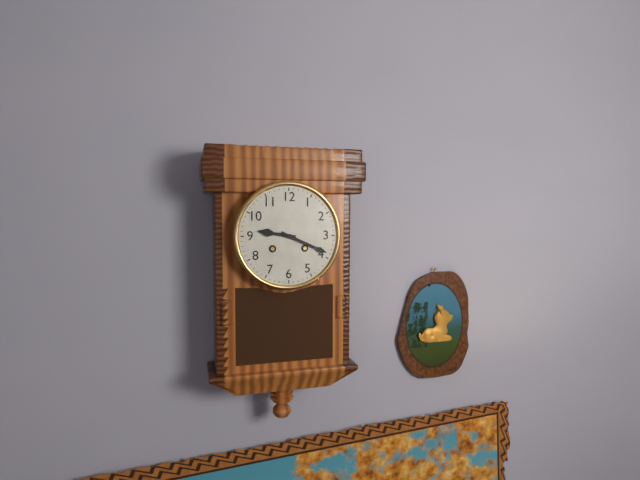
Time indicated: 9h19
